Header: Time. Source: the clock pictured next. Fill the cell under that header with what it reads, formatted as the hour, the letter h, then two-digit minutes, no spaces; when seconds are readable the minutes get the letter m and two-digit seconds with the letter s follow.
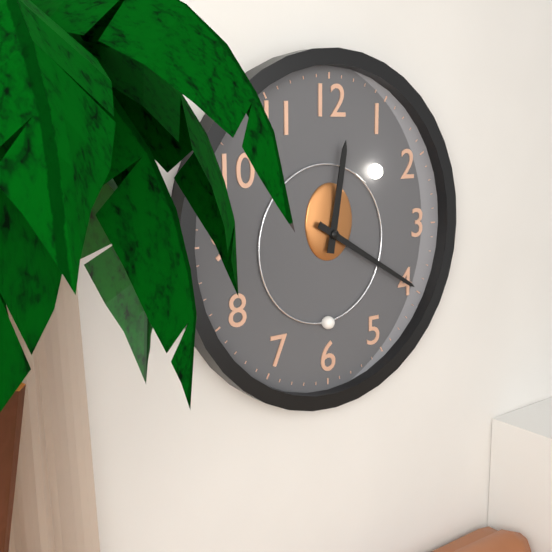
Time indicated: 12h20
